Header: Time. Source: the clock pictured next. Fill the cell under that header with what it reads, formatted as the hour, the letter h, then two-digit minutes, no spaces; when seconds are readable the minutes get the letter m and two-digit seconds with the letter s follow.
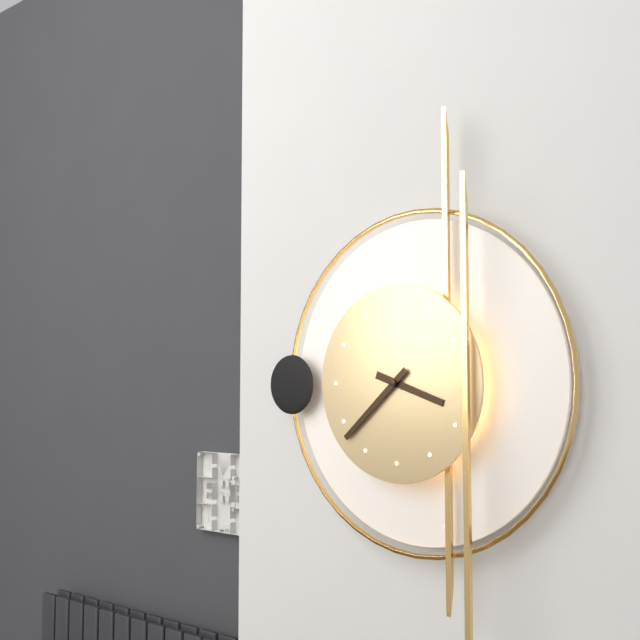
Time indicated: 3h38
